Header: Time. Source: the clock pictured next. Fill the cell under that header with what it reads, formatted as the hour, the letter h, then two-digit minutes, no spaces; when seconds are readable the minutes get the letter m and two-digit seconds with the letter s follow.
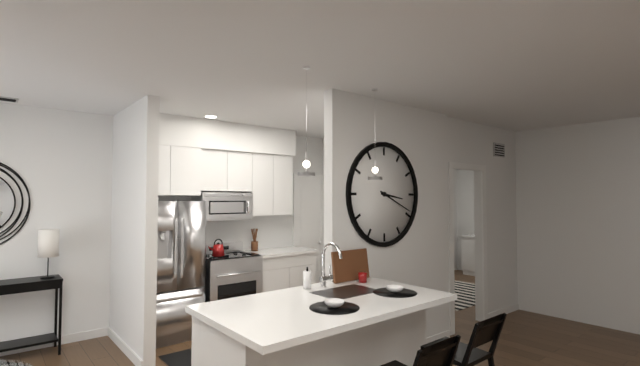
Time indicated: 3h19
